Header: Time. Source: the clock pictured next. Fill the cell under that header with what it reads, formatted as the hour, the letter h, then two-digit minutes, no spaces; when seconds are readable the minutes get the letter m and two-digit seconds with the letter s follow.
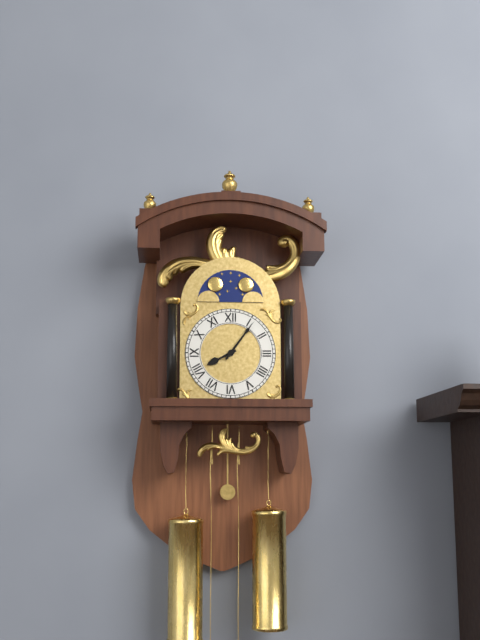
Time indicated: 8h06
